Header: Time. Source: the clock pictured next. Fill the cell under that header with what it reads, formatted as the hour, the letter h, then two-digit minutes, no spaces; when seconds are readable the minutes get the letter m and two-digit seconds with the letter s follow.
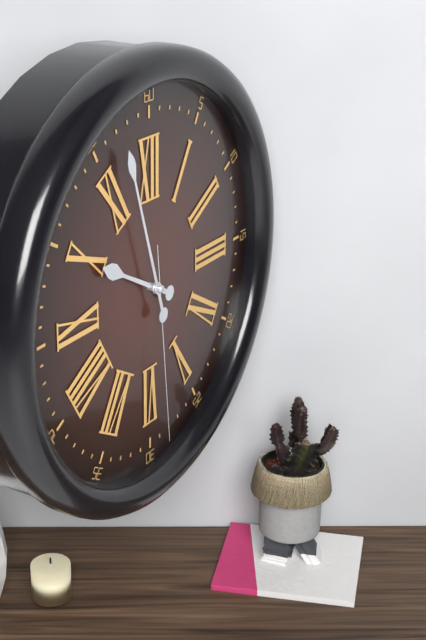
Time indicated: 9h57m29s
